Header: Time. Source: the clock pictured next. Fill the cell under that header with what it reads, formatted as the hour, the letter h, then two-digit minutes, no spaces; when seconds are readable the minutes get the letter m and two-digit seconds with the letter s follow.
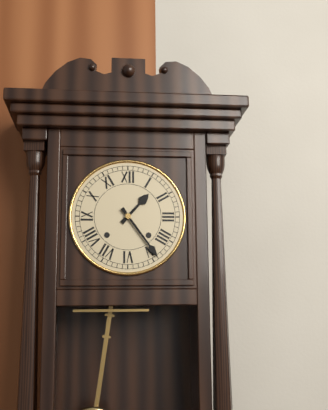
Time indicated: 1h24
